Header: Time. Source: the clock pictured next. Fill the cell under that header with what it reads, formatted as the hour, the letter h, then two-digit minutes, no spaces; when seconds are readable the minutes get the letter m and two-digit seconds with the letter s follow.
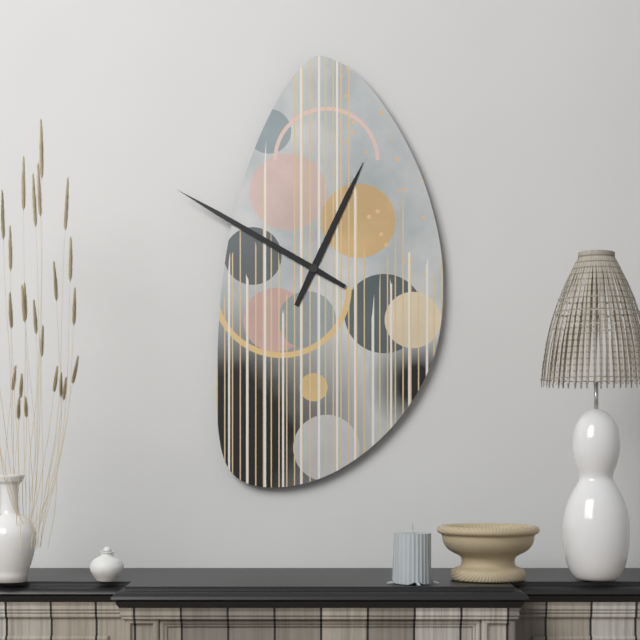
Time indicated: 12h50
